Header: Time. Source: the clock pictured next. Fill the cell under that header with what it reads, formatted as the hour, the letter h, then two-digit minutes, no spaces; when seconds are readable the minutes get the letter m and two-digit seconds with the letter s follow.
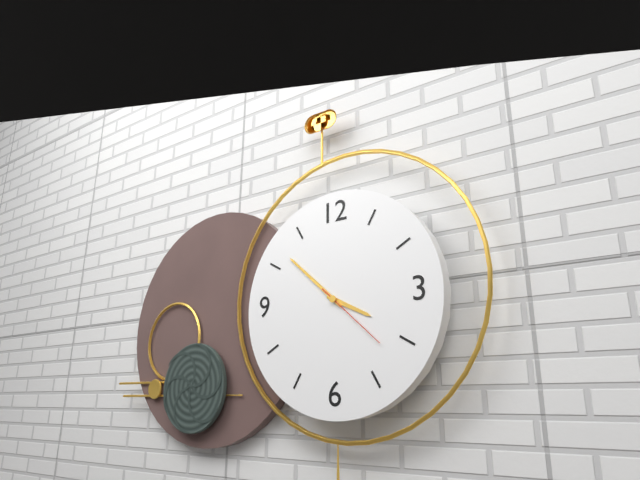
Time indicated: 3h52m22s
